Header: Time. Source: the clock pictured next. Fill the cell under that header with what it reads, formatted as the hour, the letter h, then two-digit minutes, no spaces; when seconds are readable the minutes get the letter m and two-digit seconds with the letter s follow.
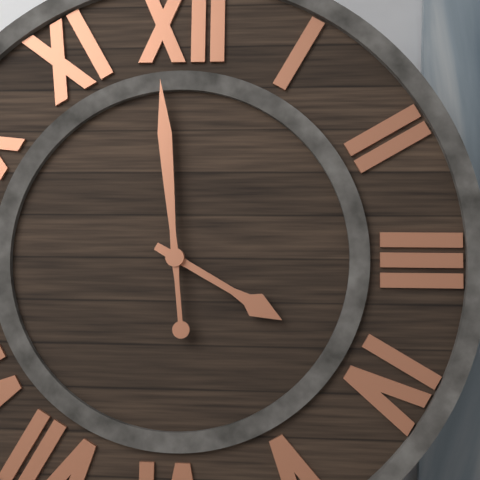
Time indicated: 3h59
